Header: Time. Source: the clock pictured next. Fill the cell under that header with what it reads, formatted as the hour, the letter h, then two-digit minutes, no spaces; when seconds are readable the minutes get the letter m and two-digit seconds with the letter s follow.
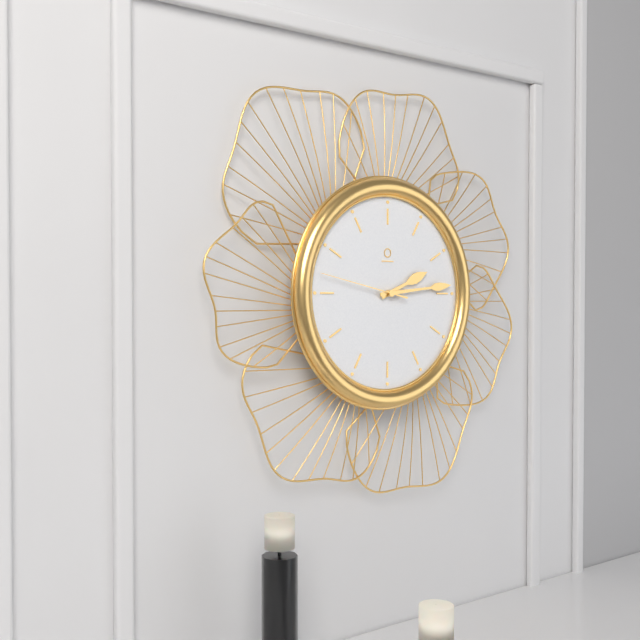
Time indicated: 2h14m47s
